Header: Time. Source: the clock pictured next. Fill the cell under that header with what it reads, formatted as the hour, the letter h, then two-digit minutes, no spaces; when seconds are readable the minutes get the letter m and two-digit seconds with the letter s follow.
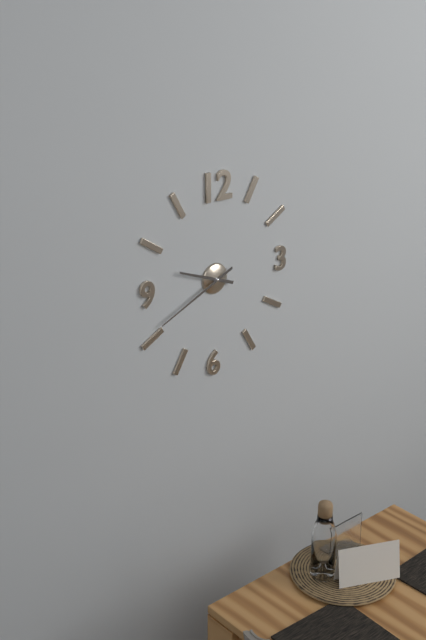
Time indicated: 9h41
